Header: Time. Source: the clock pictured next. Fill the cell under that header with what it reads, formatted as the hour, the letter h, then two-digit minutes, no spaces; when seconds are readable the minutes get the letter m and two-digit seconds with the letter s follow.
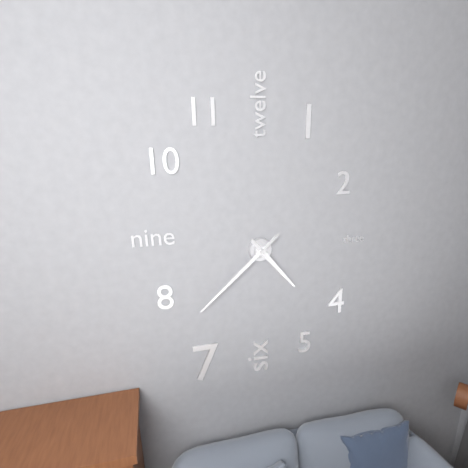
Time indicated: 4h38
